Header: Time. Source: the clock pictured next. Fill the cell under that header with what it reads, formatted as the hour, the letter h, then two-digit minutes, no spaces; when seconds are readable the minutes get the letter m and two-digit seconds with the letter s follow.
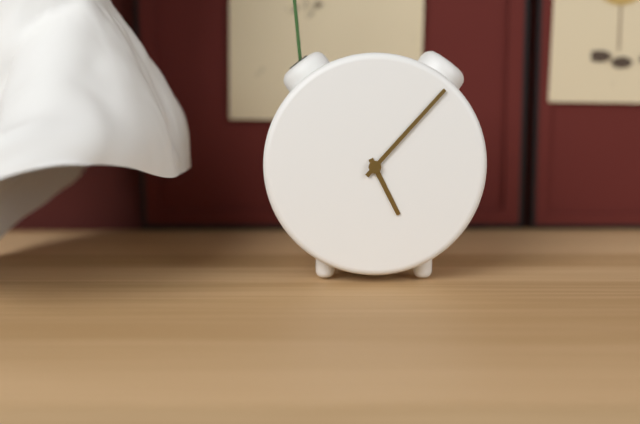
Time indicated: 5h07
